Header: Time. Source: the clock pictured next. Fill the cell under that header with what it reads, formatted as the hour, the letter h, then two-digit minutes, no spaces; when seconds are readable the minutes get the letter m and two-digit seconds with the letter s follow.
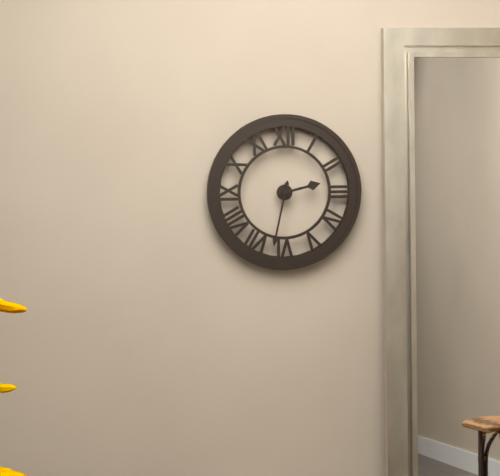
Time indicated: 2h32
